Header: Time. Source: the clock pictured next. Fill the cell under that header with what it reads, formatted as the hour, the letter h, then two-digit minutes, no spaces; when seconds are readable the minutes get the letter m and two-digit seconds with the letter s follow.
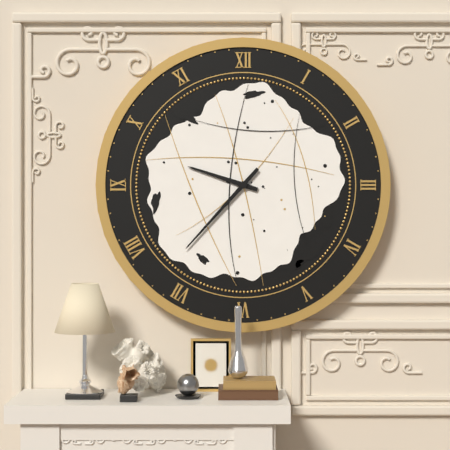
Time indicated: 9h37
